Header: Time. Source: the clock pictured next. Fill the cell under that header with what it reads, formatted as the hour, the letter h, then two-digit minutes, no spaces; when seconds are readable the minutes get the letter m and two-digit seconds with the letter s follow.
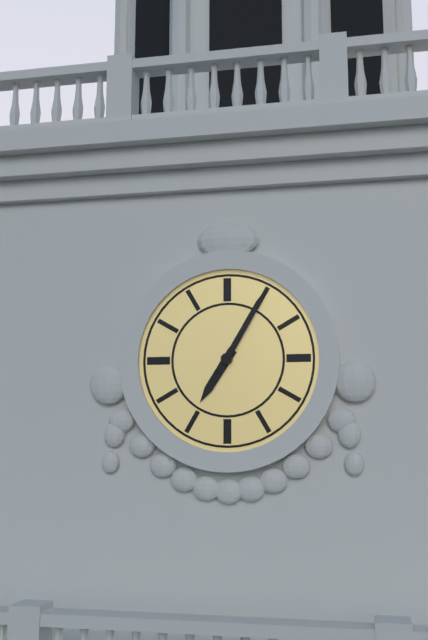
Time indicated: 7h05
